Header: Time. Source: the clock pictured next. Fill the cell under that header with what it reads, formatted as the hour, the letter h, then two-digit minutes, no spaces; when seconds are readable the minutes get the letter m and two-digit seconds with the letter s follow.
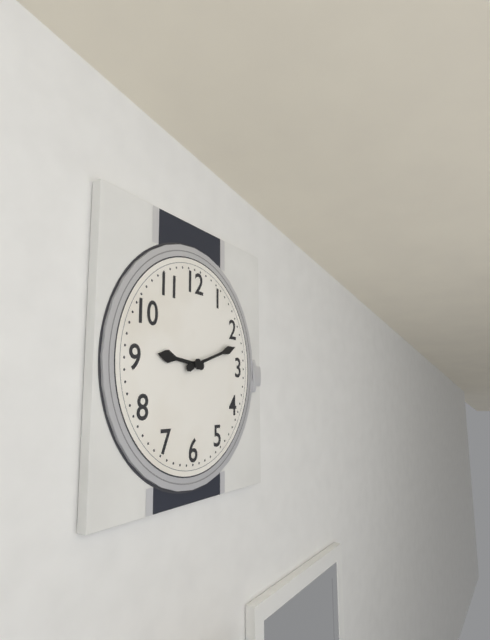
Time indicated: 9h12
